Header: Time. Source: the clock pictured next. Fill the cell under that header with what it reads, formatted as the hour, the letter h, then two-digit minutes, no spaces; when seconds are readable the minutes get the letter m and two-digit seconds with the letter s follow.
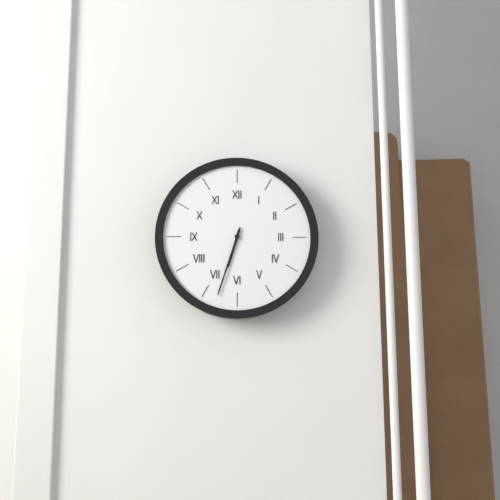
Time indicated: 6h33
